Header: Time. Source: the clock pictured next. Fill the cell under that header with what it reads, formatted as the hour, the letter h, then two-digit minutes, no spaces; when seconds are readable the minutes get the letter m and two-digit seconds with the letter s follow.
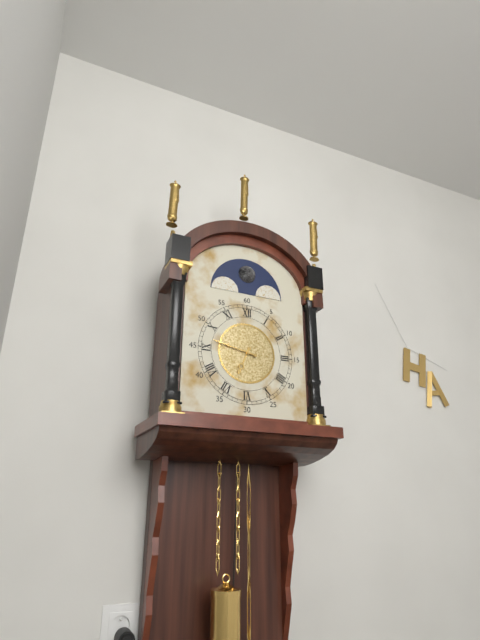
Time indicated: 6h47
